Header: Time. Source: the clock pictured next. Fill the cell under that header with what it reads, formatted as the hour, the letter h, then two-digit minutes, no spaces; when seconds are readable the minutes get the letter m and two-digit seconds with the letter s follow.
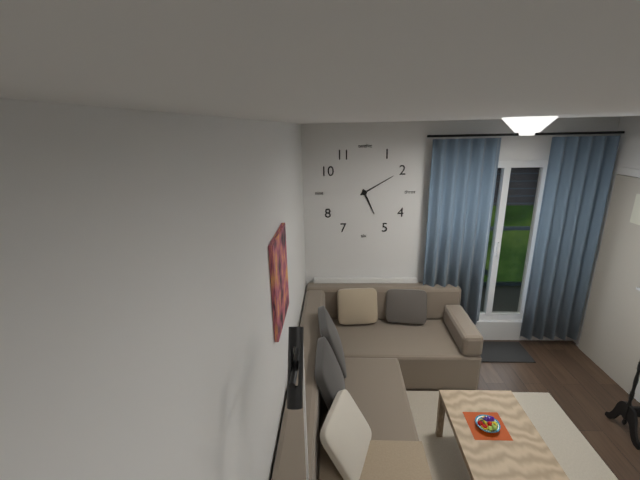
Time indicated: 5h10
